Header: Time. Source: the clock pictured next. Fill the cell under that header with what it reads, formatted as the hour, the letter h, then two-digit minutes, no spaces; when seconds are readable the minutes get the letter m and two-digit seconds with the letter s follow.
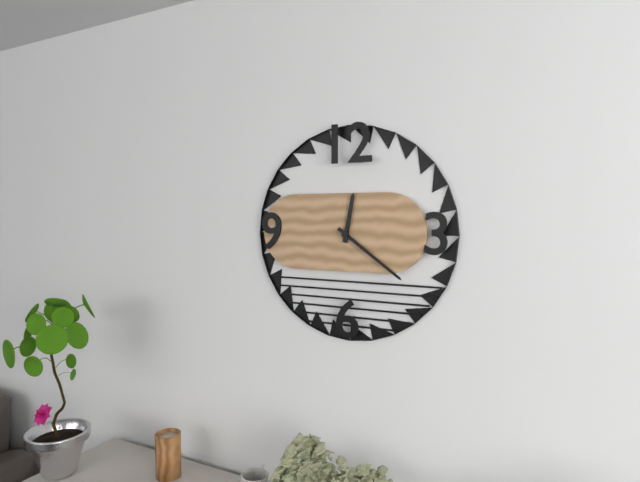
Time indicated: 12h21
